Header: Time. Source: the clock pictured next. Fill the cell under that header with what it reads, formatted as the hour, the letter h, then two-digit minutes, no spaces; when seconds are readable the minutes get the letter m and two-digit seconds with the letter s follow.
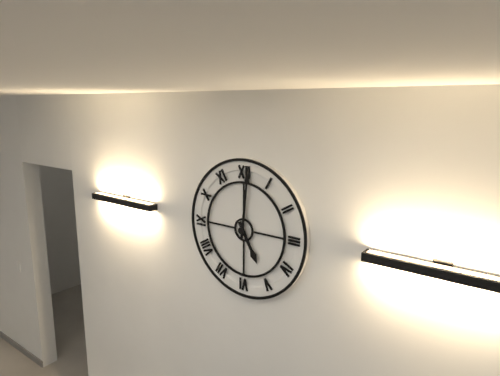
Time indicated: 5h01
